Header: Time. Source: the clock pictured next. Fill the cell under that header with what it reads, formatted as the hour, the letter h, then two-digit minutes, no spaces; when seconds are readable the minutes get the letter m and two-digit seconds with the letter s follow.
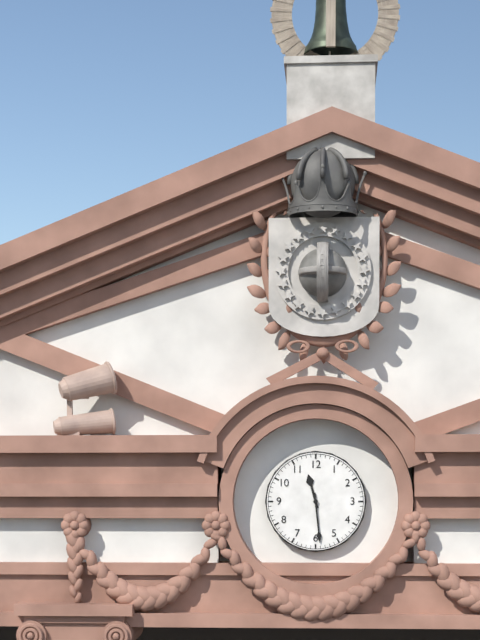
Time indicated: 11h29
